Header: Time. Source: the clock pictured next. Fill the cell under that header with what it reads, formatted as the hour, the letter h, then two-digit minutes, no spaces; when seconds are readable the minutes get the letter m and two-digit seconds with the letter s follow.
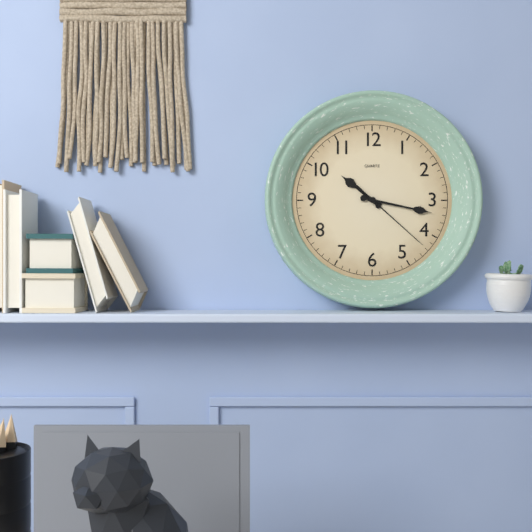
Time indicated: 10h17m22s
